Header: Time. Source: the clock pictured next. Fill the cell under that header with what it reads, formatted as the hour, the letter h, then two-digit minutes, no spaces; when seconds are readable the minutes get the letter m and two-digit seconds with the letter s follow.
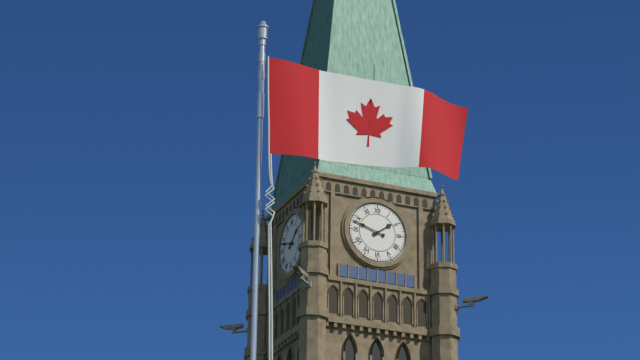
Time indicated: 1h48
